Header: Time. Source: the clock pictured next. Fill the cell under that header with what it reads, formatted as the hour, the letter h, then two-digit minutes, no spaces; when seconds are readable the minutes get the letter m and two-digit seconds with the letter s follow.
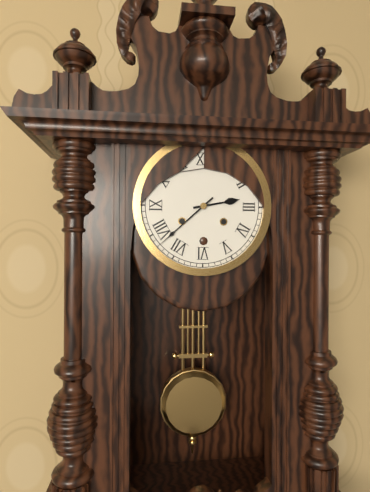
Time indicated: 2h38
